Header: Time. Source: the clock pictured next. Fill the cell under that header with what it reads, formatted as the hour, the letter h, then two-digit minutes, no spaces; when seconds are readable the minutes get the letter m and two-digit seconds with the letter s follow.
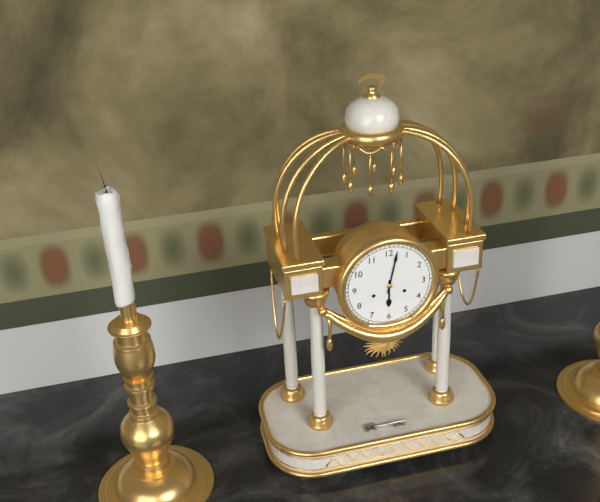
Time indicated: 6h02
